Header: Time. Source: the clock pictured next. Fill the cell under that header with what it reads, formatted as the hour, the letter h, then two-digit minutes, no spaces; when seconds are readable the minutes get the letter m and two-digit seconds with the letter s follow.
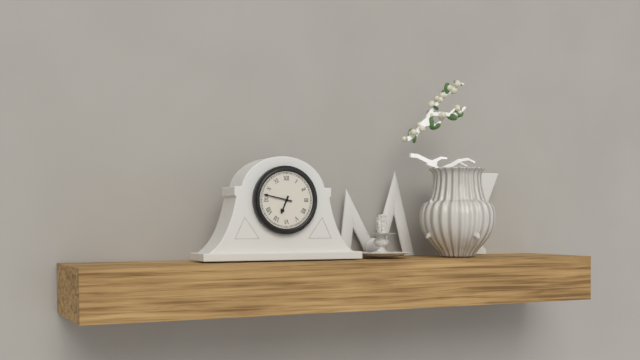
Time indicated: 6h47
